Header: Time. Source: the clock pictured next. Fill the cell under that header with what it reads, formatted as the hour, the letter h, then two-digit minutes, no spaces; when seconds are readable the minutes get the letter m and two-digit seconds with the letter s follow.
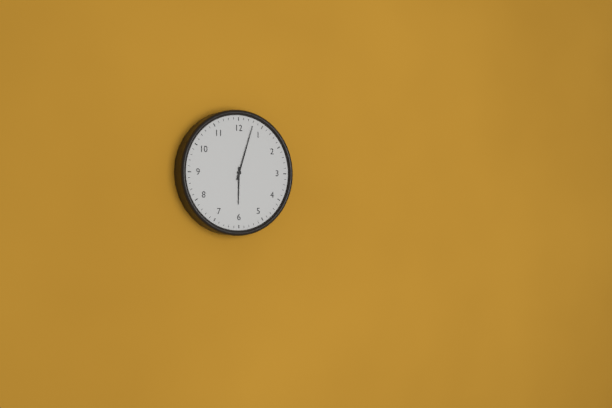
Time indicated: 6h03
